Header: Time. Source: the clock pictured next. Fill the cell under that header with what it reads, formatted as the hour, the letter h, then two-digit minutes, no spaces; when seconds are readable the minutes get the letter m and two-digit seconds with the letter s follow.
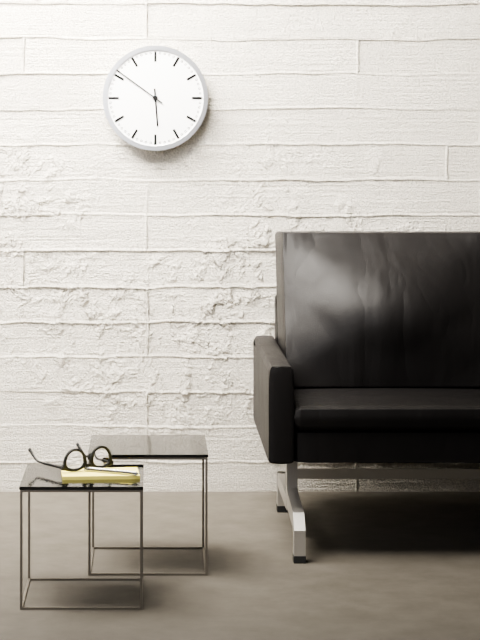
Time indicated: 5h51
